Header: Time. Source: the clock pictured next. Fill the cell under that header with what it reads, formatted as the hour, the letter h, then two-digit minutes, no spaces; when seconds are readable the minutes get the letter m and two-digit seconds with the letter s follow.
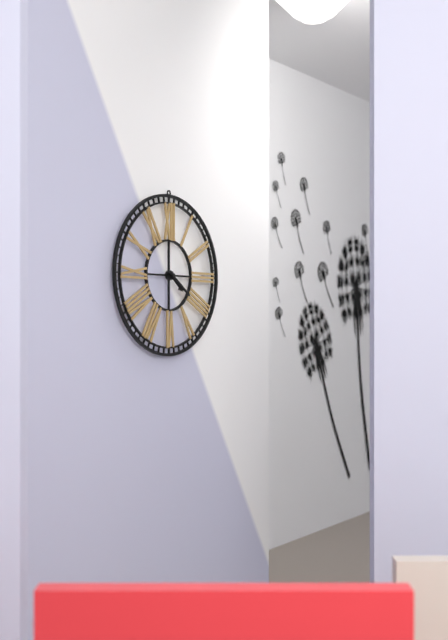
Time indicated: 4h21
